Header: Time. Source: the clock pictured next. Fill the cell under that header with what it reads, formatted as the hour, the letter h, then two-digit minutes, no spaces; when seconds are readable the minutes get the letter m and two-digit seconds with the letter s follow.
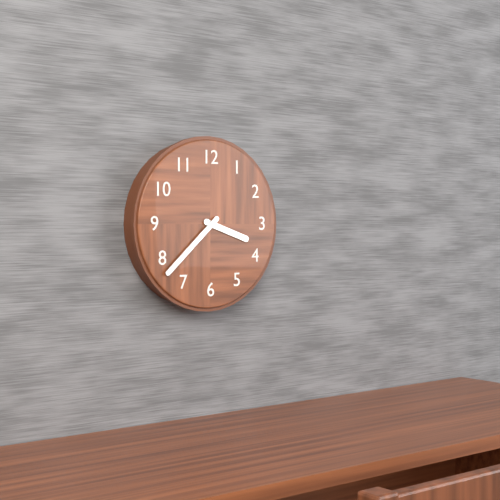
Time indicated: 3h38
